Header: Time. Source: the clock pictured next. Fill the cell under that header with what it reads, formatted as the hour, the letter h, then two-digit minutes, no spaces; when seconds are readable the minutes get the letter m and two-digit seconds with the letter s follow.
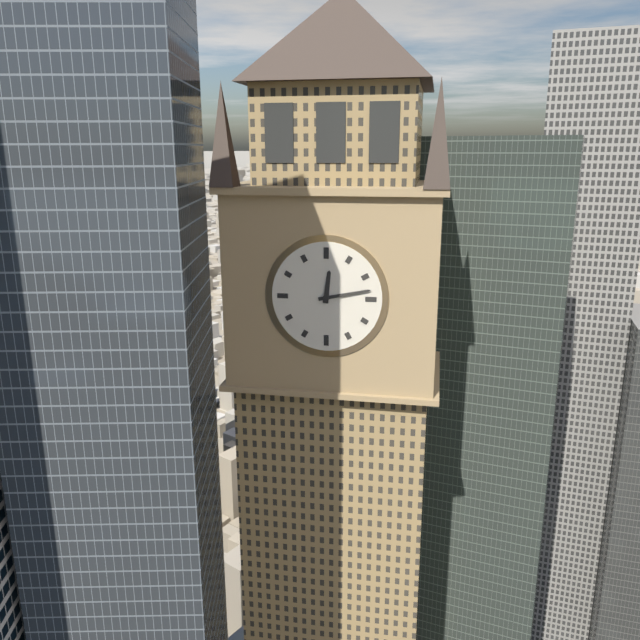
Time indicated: 12h13
